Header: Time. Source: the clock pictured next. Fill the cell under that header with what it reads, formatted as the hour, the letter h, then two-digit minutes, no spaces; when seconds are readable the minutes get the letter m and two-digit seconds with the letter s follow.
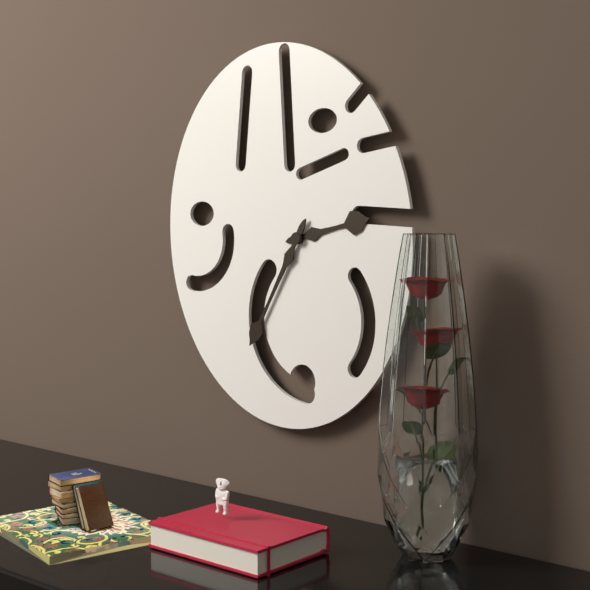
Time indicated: 2h35
